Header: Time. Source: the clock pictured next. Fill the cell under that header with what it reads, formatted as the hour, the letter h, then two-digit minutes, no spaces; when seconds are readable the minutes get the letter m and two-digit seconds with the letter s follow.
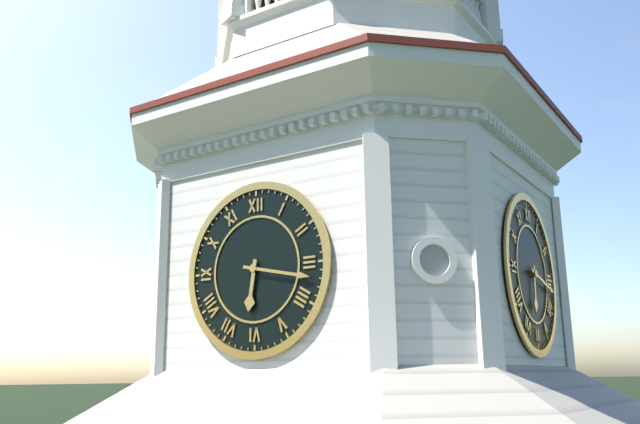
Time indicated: 6h17
